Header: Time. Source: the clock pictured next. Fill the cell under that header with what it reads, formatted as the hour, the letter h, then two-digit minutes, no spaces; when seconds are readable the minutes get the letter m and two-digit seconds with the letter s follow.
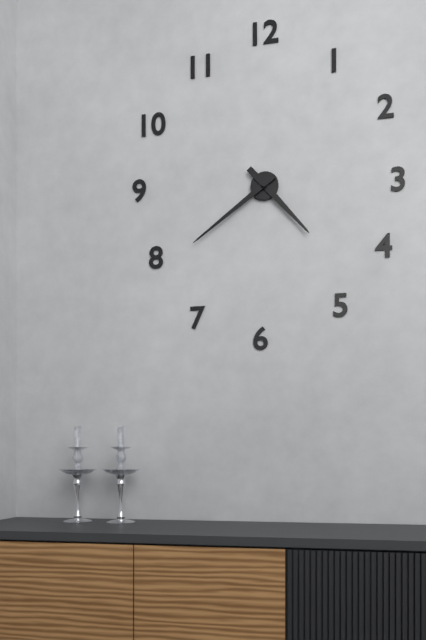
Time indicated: 4h39
